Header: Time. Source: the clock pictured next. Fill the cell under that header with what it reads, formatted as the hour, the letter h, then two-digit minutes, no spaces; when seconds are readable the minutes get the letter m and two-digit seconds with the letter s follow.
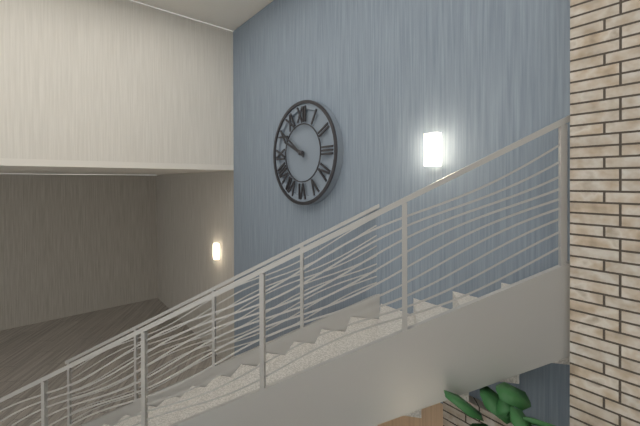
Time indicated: 9h51
